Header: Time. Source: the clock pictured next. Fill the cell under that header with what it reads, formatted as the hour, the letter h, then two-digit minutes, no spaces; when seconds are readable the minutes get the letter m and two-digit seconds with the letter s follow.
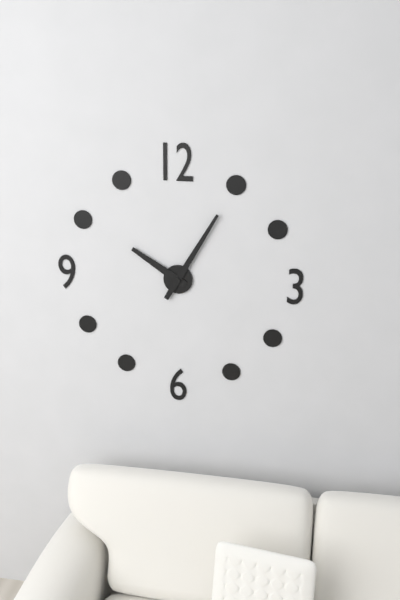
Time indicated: 10h05
